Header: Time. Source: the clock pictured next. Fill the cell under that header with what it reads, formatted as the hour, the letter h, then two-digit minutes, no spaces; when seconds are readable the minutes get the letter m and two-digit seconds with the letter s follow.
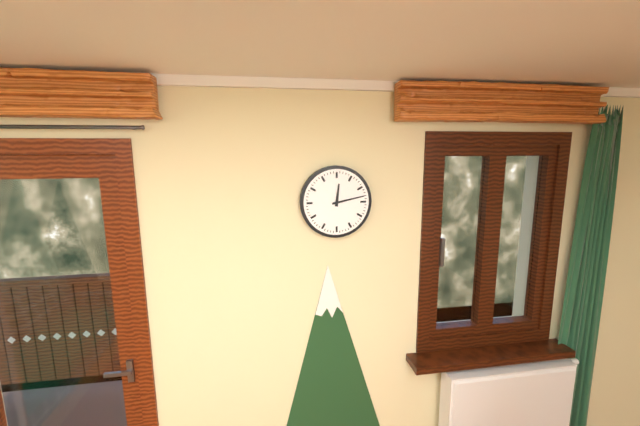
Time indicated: 12h13
